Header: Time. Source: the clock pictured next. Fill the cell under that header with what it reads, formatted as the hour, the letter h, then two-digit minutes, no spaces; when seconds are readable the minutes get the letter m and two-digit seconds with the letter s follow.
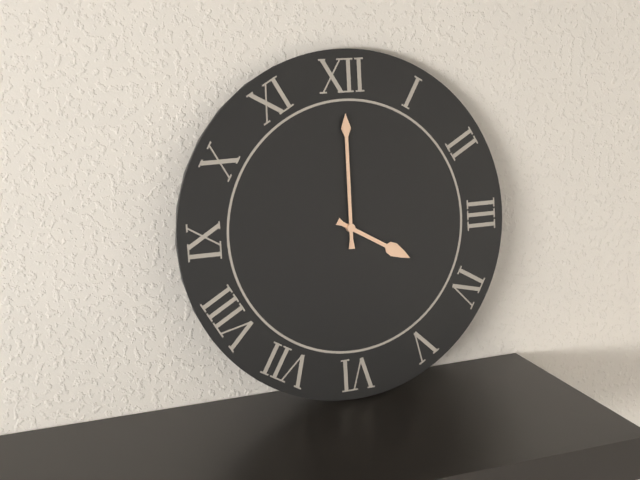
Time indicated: 4h00
